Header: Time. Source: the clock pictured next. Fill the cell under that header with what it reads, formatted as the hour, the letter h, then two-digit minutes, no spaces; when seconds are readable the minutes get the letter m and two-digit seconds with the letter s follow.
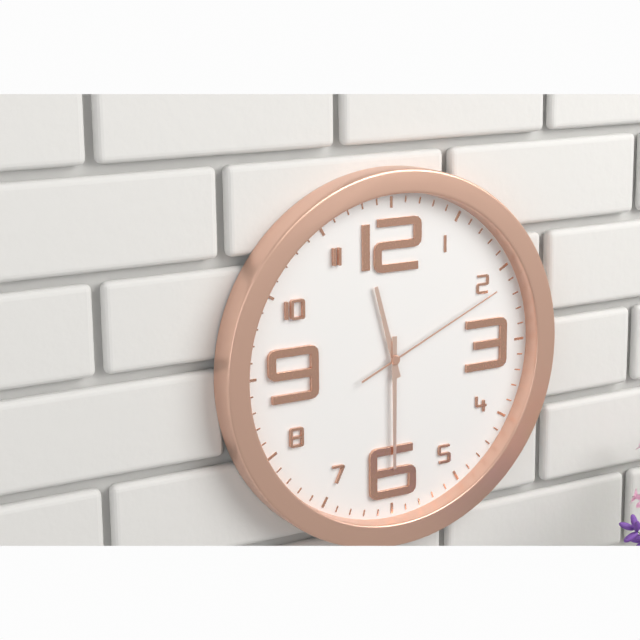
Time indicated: 11h30m11s
